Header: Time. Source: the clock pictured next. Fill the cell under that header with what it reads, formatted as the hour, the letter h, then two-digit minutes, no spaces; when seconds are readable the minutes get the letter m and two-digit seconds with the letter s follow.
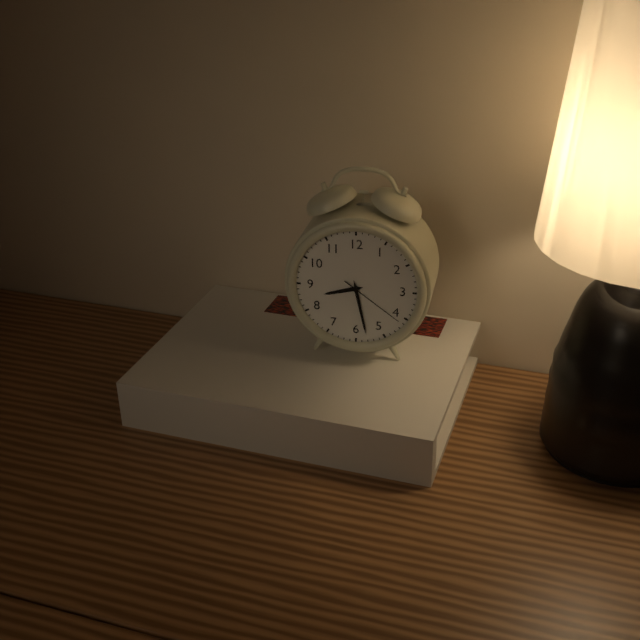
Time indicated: 8h28m21s
